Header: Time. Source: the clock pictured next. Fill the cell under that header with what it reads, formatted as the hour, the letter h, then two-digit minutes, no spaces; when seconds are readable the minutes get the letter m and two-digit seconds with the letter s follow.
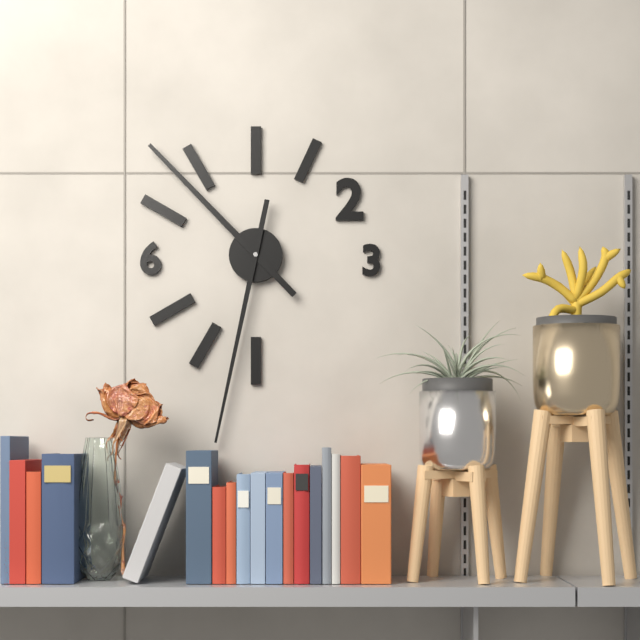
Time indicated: 10h32
